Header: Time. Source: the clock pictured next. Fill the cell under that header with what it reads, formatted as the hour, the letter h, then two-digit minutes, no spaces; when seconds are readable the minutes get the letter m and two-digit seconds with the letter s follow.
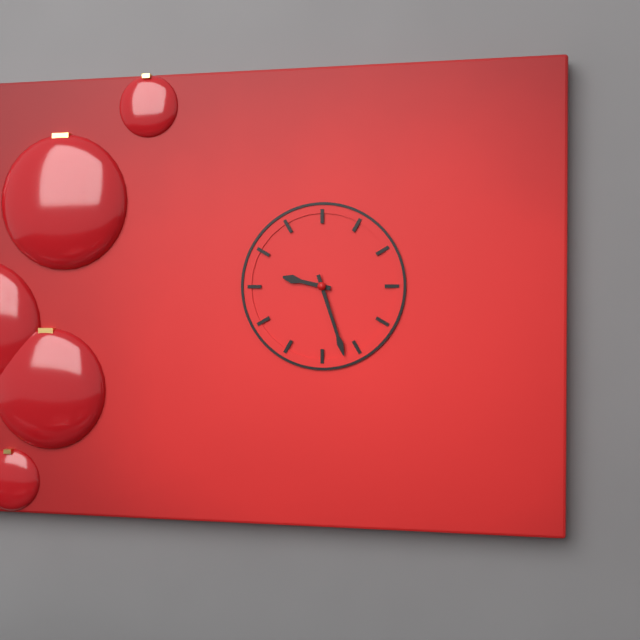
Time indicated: 9h27
